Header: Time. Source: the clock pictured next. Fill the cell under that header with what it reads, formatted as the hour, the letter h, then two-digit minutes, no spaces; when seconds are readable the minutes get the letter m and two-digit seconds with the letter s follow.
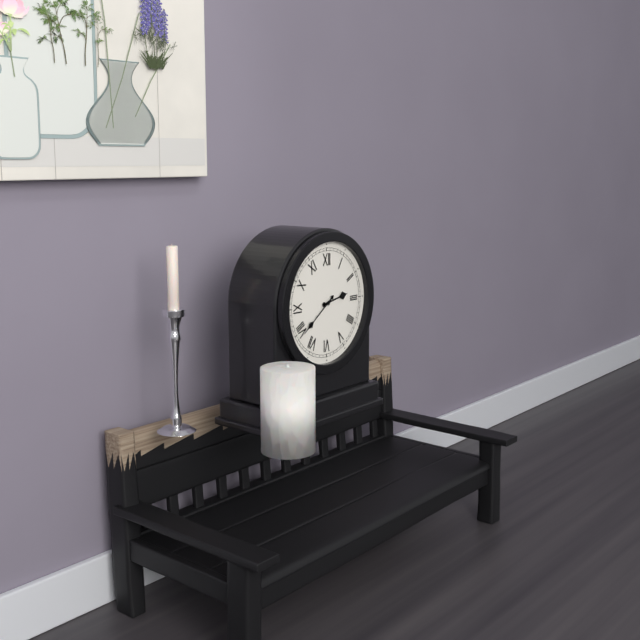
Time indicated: 2h39
